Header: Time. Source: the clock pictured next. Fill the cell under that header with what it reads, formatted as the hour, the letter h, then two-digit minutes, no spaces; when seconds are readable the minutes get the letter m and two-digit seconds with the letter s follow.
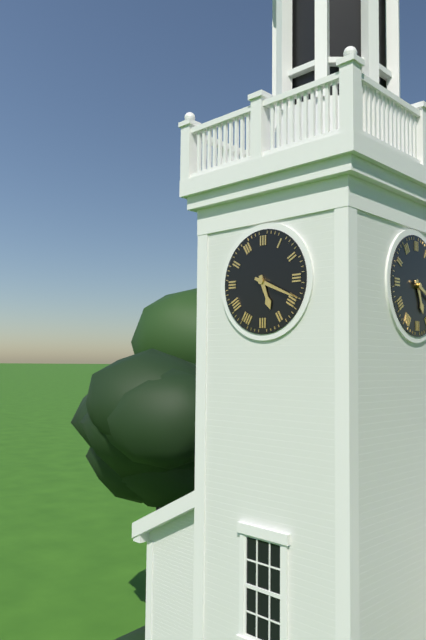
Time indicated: 5h19
